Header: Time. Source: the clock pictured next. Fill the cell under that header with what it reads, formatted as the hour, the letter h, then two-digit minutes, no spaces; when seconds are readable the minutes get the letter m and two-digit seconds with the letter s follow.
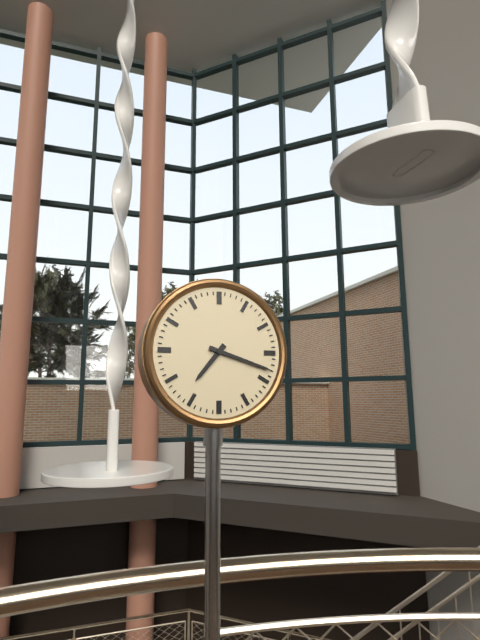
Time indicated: 7h18
